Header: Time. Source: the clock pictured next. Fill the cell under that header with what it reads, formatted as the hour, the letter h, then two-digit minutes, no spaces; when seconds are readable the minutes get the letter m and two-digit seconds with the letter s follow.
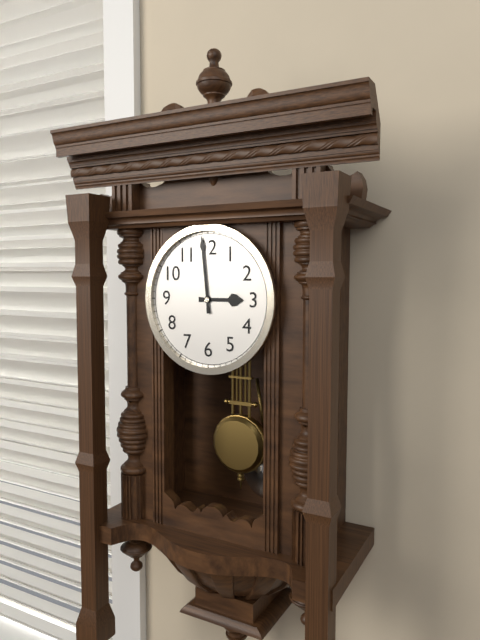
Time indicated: 2h59
